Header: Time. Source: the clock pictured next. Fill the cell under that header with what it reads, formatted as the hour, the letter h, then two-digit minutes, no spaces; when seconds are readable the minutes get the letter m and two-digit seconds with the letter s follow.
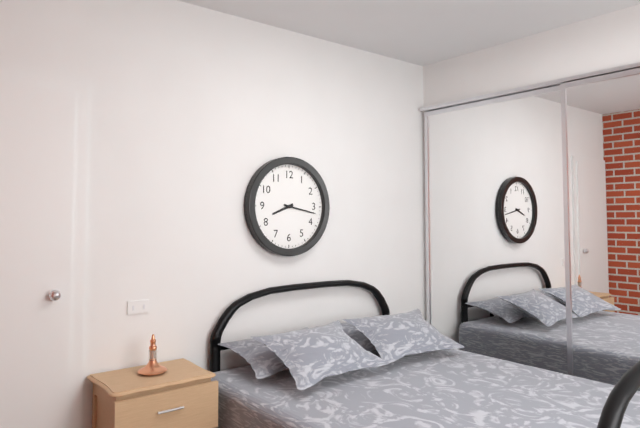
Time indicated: 8h17
